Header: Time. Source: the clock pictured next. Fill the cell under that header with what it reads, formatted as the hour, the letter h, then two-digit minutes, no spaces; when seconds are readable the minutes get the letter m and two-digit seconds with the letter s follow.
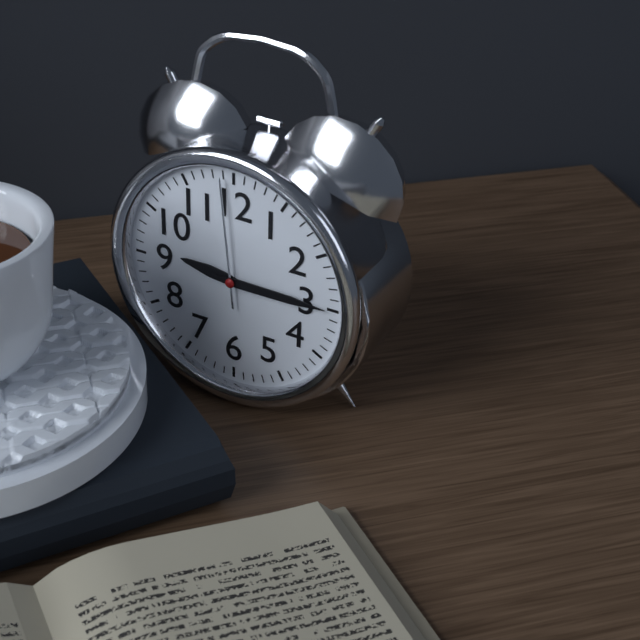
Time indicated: 9h15m59s
